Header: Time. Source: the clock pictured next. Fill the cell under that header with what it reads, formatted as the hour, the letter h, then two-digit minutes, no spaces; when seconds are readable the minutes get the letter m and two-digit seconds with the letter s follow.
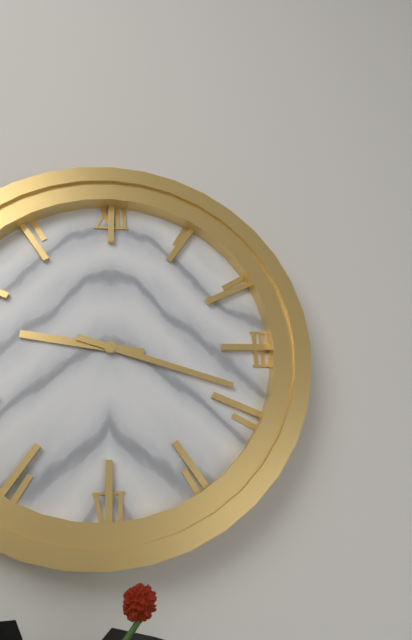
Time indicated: 9h18
